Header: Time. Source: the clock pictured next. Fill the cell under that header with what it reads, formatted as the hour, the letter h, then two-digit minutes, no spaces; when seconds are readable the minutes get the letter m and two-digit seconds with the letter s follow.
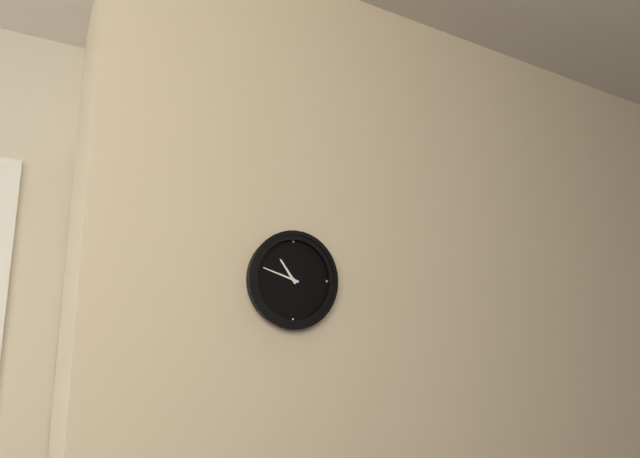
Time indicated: 10h48
